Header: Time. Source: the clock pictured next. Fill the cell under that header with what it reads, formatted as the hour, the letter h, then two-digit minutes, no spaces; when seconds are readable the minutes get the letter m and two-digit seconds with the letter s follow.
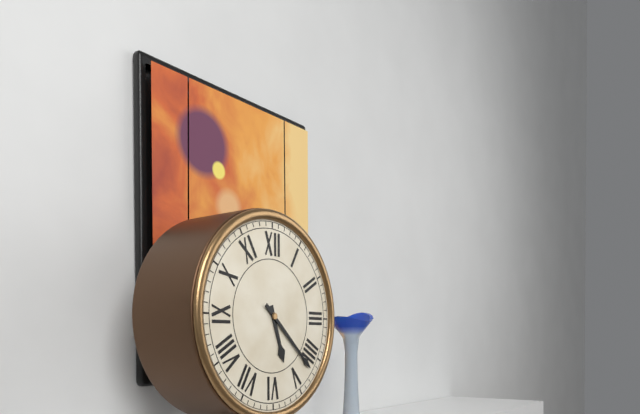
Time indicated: 5h22
